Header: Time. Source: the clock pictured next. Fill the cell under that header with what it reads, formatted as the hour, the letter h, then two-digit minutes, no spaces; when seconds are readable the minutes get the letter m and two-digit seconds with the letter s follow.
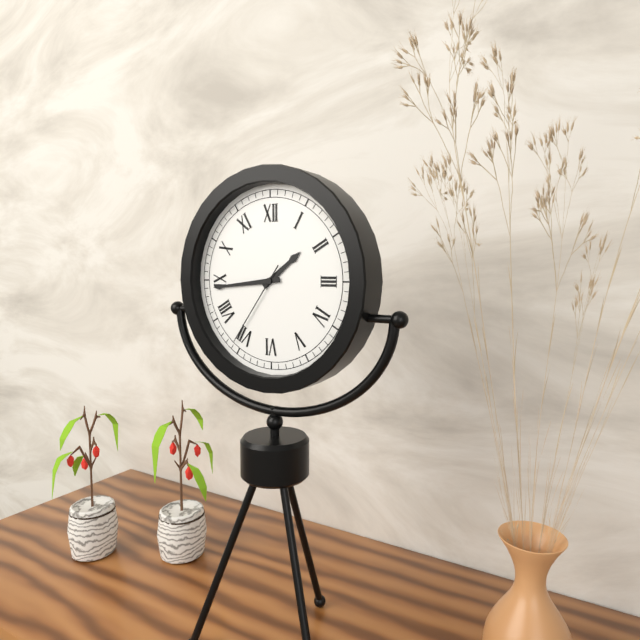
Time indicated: 1h44m36s
